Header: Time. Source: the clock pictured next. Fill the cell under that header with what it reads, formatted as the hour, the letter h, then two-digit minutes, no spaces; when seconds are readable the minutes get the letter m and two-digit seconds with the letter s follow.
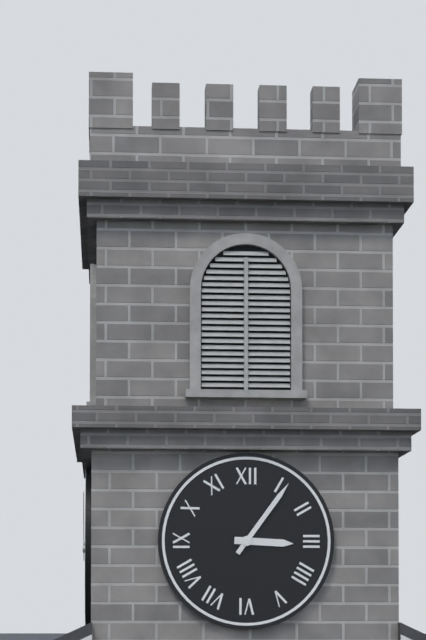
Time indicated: 3h06
